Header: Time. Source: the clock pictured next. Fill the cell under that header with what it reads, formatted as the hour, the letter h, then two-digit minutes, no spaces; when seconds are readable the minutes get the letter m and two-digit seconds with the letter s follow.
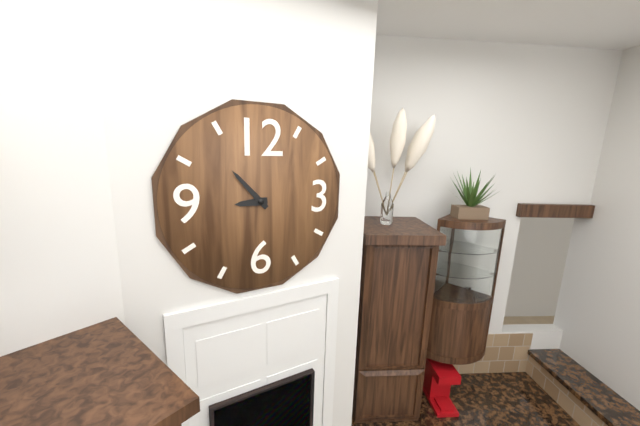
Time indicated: 8h53
